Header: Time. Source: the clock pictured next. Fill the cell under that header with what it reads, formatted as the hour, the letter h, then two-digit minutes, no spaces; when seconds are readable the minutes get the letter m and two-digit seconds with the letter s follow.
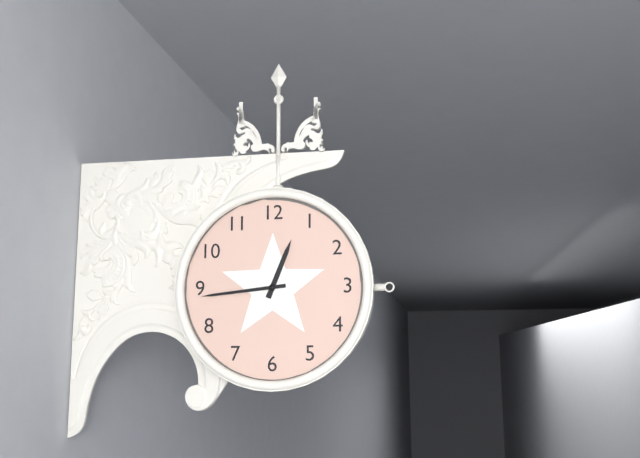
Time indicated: 12h44
